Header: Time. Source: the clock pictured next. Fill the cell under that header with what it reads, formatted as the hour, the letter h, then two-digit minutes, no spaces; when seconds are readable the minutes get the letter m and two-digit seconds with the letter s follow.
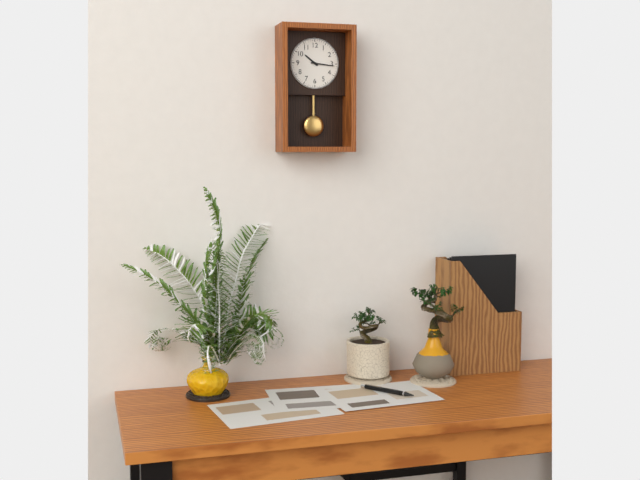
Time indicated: 10h16
